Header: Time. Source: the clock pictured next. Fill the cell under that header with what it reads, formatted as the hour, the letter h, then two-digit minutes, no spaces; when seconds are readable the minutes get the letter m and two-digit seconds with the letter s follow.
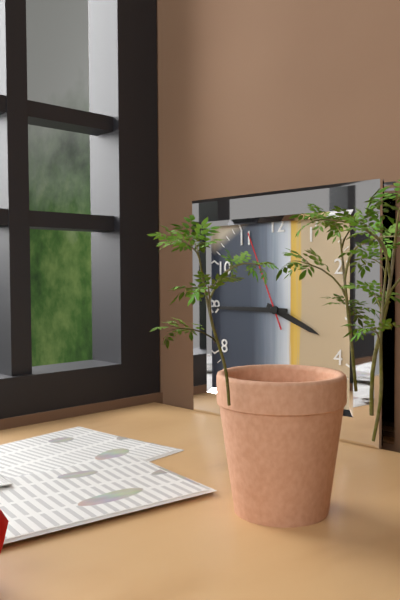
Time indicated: 3h45m56s
